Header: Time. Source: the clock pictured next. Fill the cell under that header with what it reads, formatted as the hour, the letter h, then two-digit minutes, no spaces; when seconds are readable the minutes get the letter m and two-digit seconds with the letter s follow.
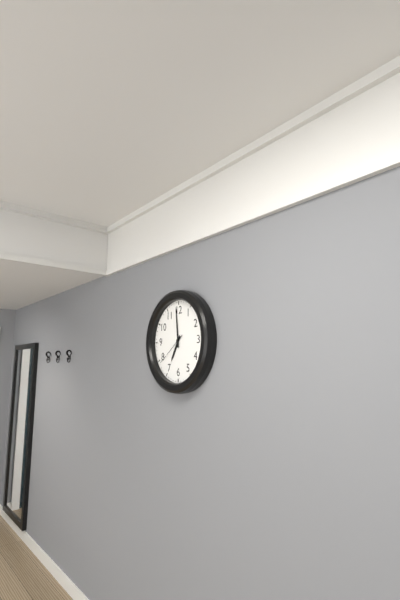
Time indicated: 6h59
